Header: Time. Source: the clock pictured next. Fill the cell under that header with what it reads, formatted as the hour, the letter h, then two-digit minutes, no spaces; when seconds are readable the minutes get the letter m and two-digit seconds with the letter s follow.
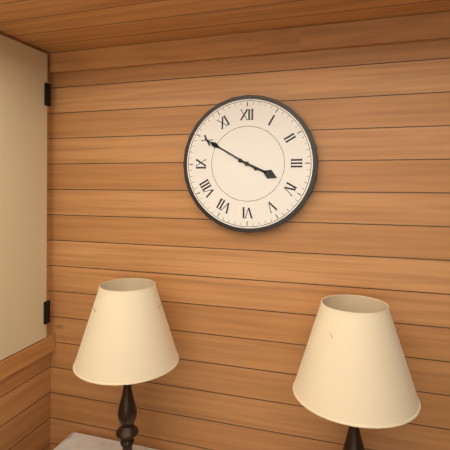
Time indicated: 3h50
